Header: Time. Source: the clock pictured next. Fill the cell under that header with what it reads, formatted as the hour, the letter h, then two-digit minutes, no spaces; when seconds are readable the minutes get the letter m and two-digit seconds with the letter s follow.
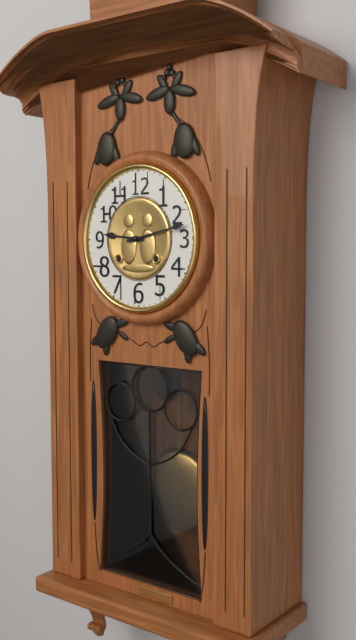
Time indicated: 9h13
